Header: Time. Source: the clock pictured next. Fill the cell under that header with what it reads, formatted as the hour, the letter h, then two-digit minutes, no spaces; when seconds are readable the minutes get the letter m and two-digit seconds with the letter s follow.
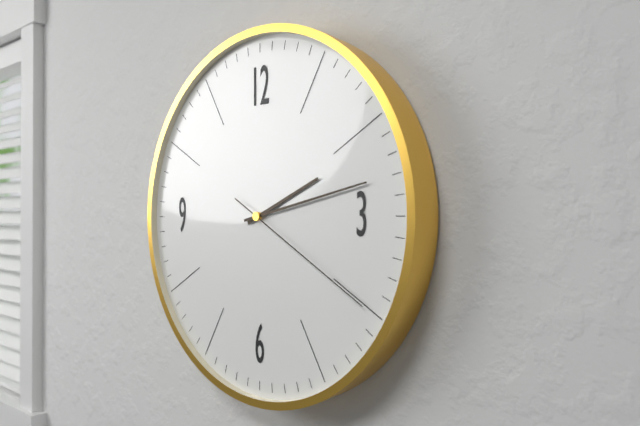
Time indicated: 2h13m20s
